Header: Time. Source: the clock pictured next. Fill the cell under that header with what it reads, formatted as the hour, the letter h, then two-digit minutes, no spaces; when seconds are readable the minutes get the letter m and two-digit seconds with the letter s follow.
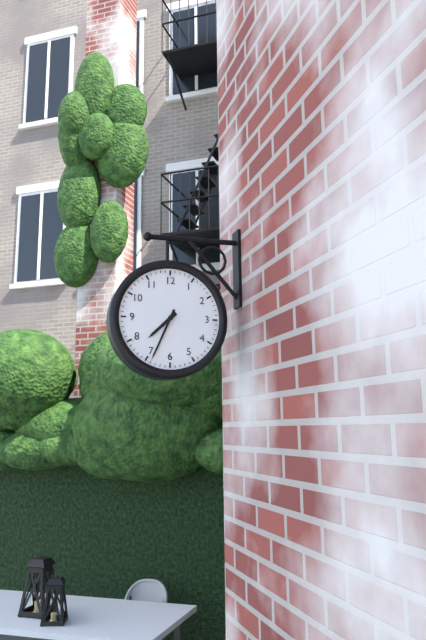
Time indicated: 7h34
